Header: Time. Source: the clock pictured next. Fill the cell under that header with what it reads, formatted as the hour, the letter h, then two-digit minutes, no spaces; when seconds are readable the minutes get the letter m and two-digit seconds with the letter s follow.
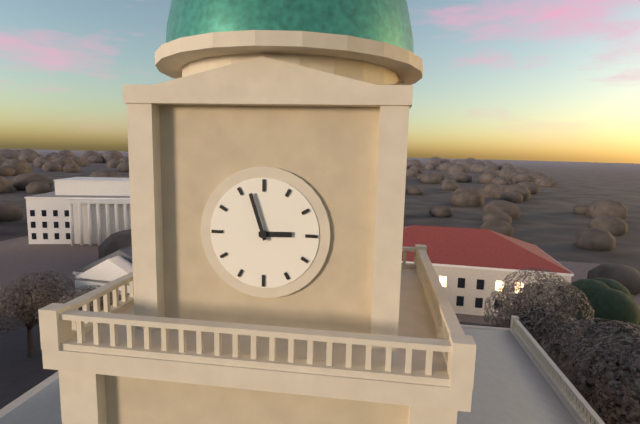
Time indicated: 2h57
